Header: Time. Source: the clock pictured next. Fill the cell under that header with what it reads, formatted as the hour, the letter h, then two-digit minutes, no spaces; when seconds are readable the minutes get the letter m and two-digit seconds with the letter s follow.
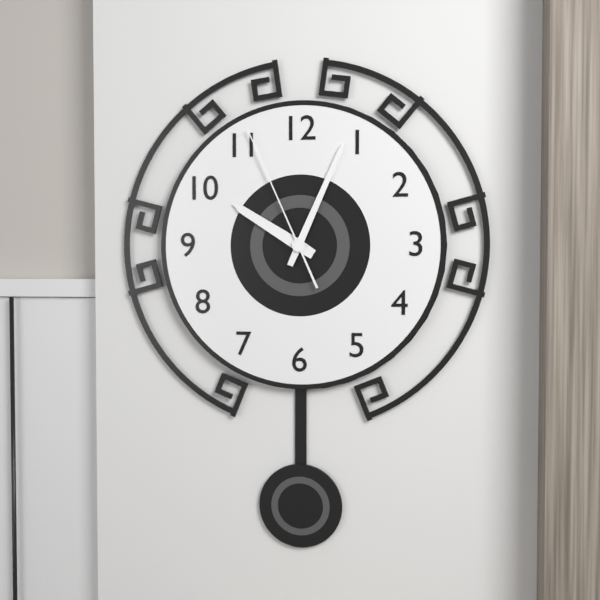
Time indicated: 10h04m56s
